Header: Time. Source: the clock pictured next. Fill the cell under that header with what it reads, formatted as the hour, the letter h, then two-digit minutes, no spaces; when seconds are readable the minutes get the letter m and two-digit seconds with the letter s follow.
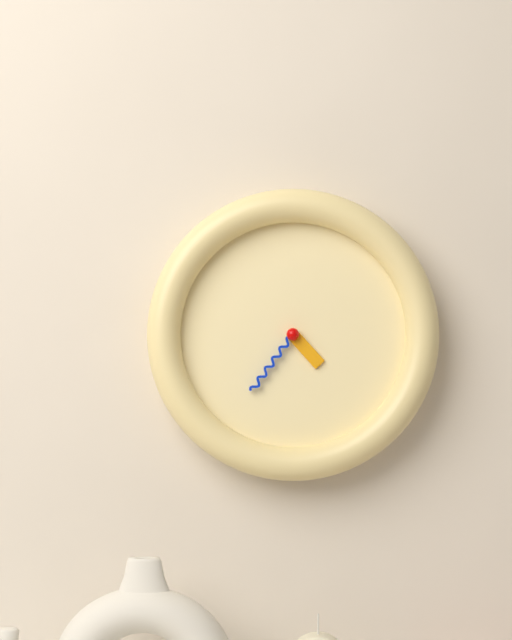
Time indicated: 4h36
